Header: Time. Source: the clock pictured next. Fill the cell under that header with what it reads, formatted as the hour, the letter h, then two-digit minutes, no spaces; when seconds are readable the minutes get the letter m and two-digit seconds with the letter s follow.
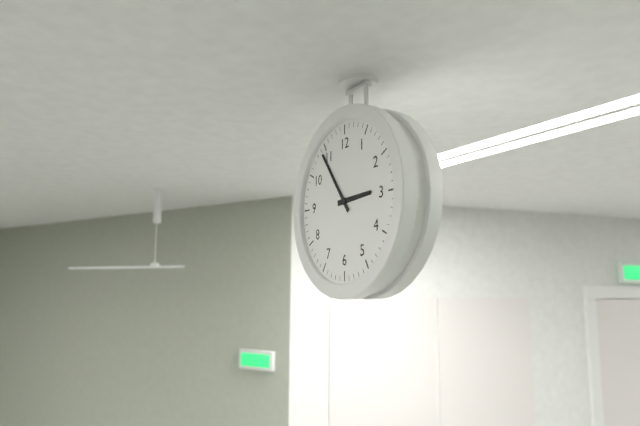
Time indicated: 2h54
